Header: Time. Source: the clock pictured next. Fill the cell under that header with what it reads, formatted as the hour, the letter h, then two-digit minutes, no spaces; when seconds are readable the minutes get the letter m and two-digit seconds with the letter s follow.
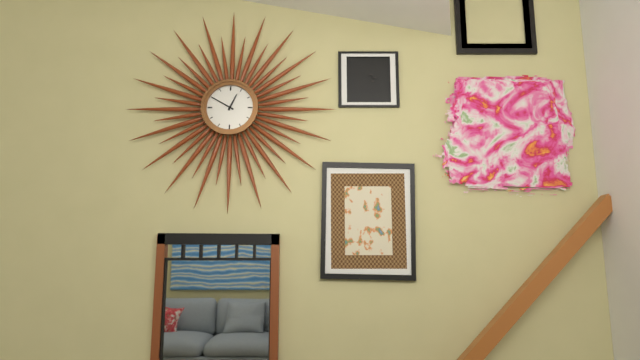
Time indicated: 12h50
